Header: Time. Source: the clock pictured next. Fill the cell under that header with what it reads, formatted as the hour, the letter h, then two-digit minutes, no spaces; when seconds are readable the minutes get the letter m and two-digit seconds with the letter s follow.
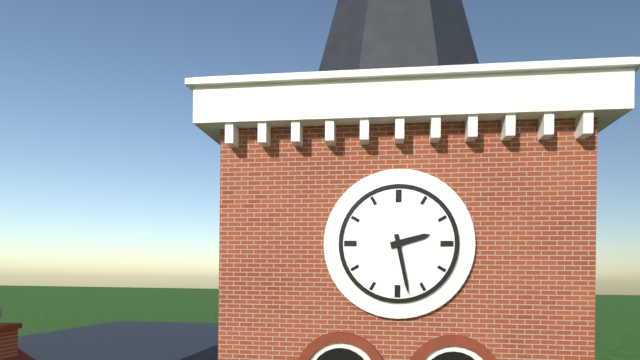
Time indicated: 2h28
